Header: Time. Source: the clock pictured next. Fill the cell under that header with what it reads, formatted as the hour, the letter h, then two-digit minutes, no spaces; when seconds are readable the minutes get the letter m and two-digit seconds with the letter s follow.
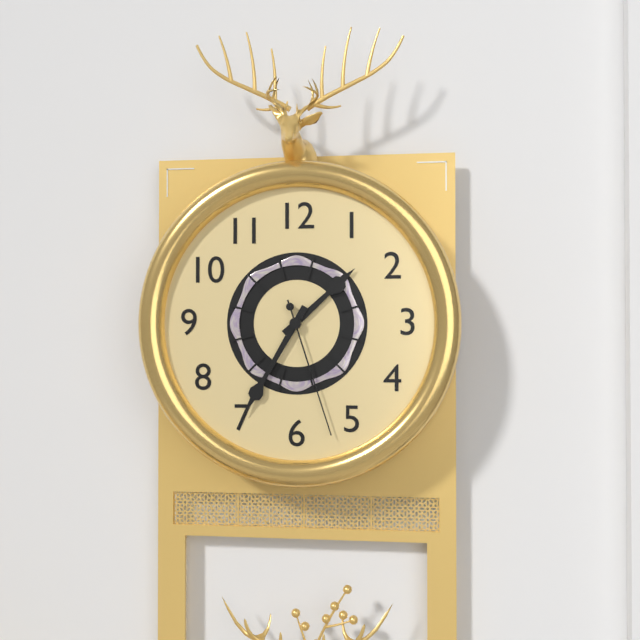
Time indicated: 1h35m27s
